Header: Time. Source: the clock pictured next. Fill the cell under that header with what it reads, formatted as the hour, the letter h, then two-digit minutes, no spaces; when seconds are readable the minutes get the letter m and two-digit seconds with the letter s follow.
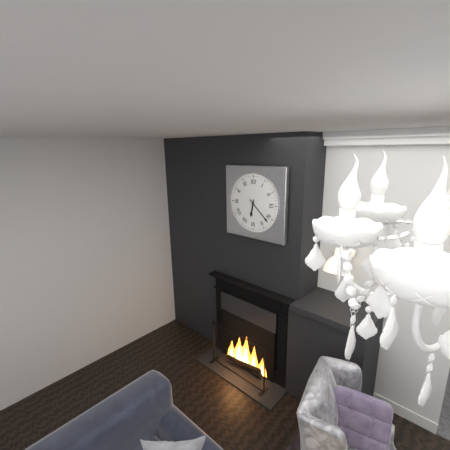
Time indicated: 6h22
